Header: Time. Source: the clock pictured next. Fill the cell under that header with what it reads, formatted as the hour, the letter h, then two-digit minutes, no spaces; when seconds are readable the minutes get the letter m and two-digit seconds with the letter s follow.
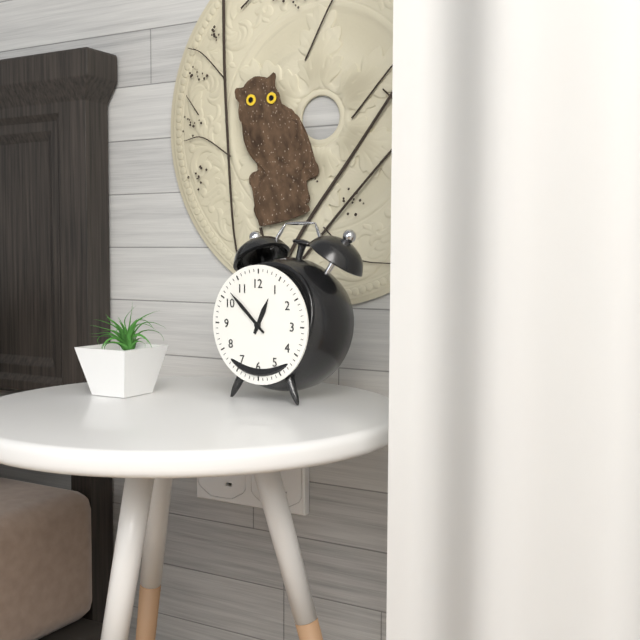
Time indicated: 12h52
